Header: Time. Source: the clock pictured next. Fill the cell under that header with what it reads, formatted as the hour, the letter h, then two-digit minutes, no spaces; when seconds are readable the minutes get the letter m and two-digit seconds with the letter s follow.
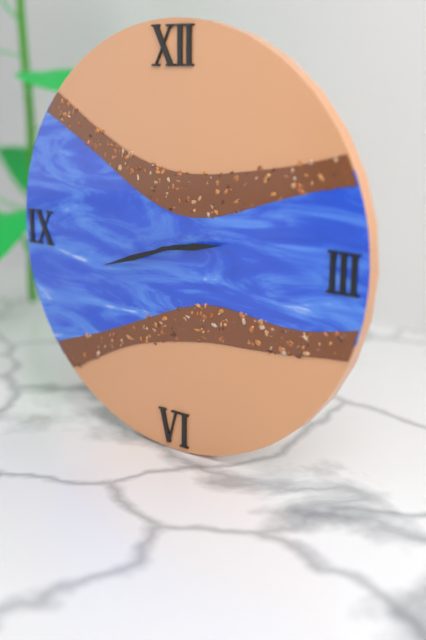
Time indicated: 2h42
